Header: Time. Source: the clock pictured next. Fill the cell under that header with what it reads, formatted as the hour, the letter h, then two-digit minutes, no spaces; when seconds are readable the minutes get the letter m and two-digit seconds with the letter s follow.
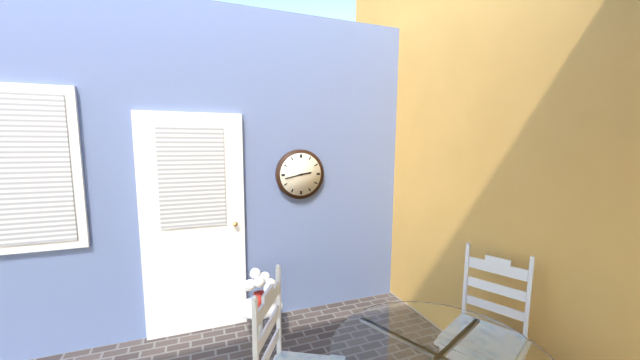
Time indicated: 2h43
